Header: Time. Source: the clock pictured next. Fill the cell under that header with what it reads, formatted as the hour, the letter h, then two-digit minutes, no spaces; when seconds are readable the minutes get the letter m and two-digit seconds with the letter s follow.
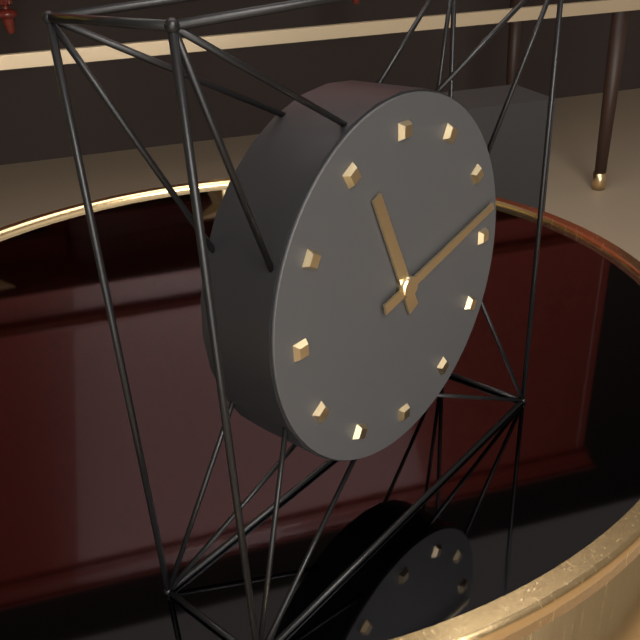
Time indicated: 11h13
